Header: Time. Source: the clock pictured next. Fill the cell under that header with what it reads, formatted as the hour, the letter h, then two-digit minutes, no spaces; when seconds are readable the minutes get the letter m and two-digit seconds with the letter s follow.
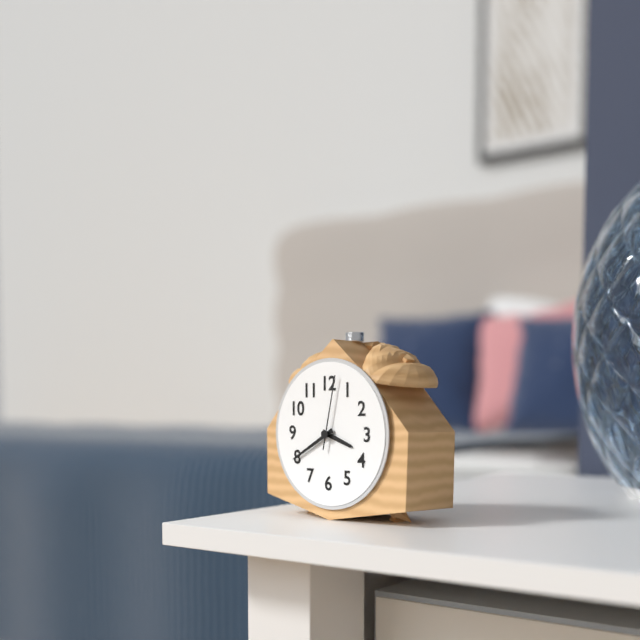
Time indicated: 3h40m02s
